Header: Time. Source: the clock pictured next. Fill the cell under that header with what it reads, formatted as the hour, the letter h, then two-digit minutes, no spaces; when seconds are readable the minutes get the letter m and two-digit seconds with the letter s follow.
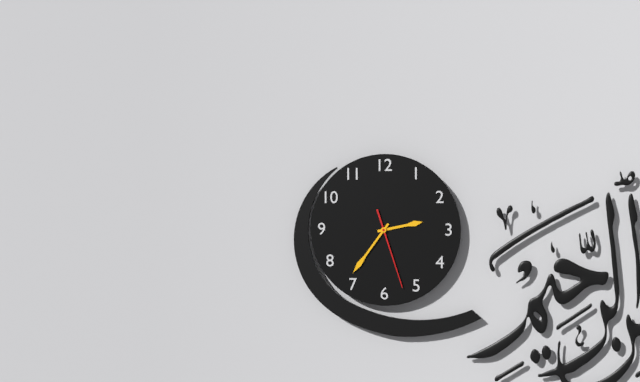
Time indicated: 2h36m27s
